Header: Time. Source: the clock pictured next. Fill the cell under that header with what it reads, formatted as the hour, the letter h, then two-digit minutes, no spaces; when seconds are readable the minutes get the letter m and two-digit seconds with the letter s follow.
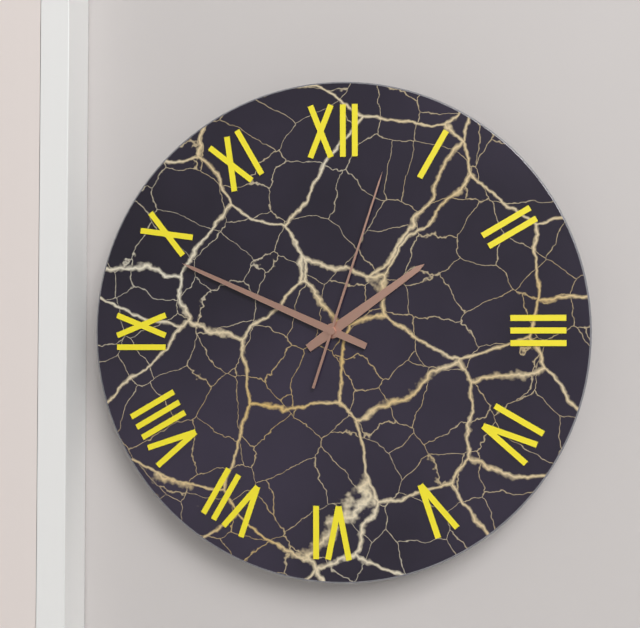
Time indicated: 1h49m03s
